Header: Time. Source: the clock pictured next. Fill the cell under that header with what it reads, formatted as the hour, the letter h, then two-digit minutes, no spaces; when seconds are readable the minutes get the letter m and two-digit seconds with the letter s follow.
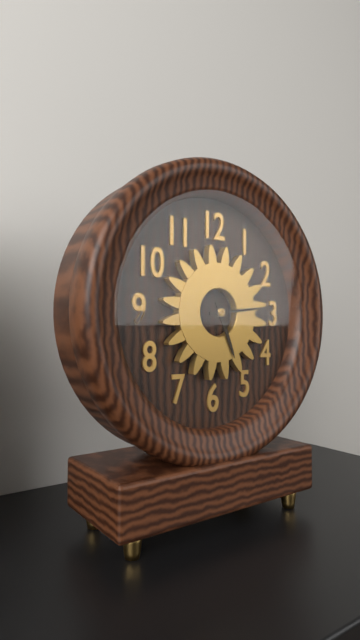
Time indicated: 5h14
